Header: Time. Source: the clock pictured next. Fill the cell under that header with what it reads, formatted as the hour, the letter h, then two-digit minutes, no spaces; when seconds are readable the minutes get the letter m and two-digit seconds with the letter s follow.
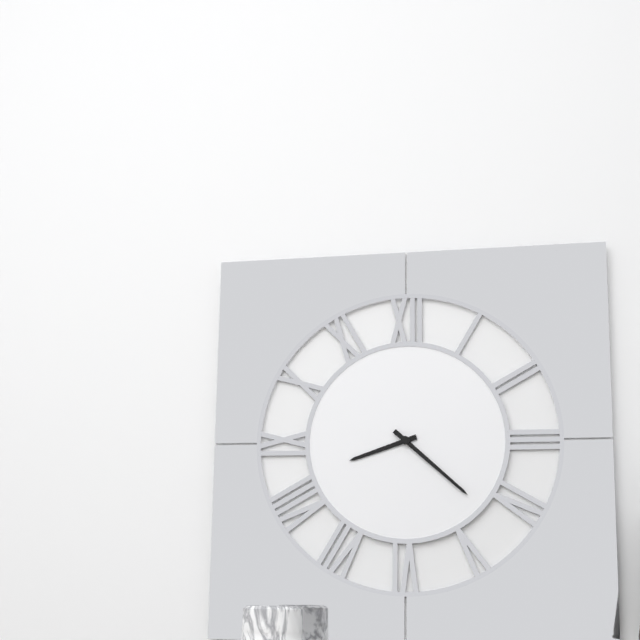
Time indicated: 8h22
